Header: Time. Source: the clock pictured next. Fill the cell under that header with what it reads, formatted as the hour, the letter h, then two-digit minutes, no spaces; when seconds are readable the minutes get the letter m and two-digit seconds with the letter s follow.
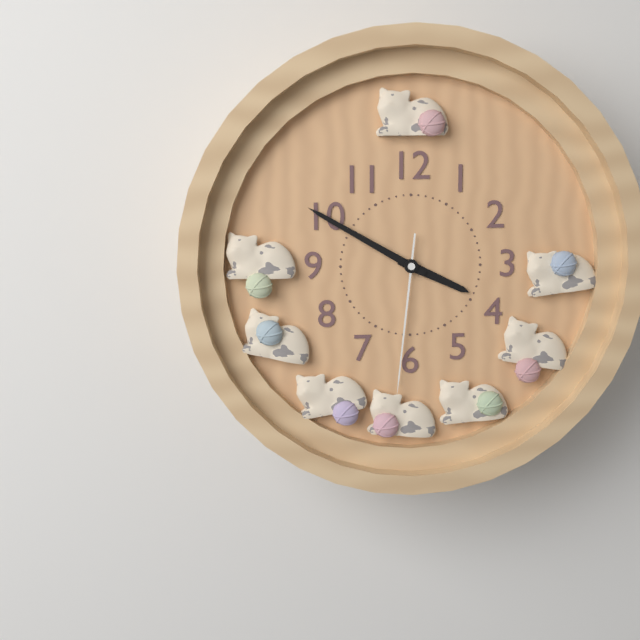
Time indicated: 3h50m31s
